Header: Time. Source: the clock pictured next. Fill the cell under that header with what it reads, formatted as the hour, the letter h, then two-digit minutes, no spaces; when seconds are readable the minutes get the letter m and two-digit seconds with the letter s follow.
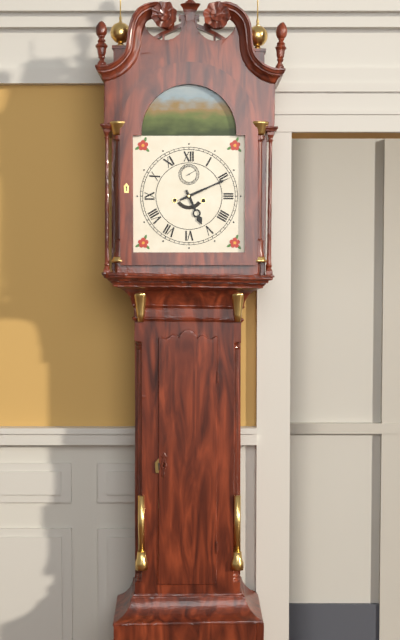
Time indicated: 5h11
